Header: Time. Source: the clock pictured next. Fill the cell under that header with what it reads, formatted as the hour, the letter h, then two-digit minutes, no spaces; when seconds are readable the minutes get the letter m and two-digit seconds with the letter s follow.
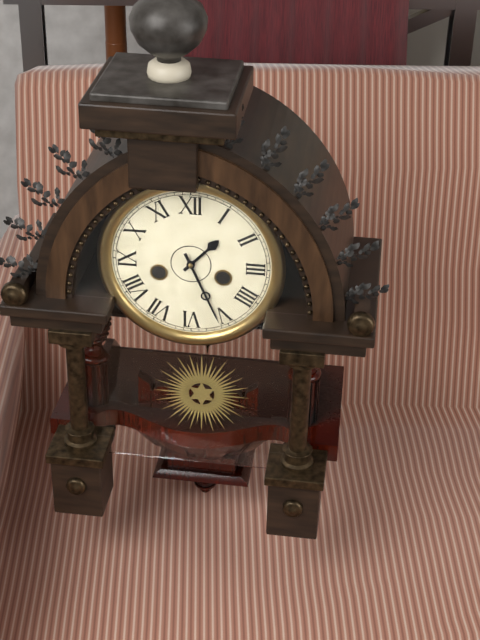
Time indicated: 1h26
